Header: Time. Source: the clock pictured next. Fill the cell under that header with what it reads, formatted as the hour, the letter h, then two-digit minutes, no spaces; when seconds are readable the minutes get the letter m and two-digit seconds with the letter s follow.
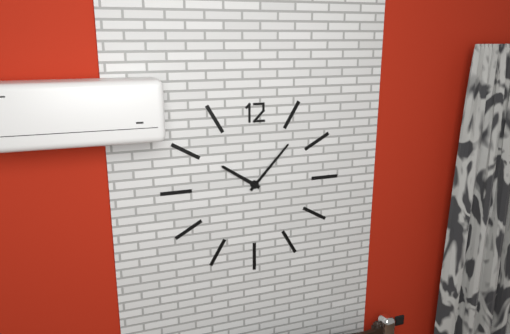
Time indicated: 10h07
